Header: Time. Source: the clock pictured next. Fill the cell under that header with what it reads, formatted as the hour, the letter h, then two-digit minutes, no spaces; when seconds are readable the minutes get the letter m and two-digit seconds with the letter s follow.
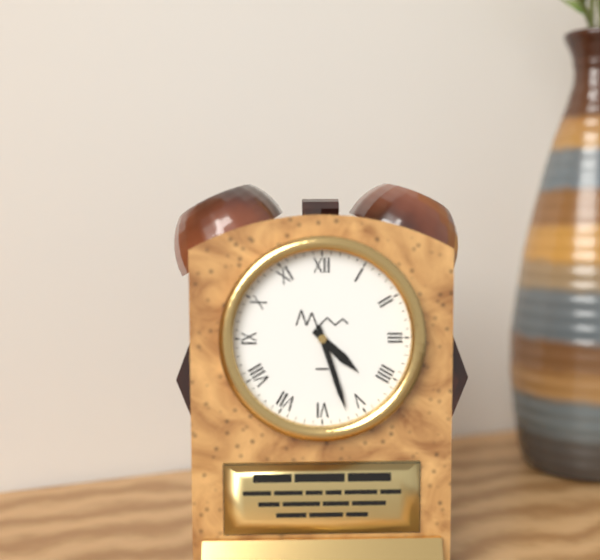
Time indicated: 4h27
